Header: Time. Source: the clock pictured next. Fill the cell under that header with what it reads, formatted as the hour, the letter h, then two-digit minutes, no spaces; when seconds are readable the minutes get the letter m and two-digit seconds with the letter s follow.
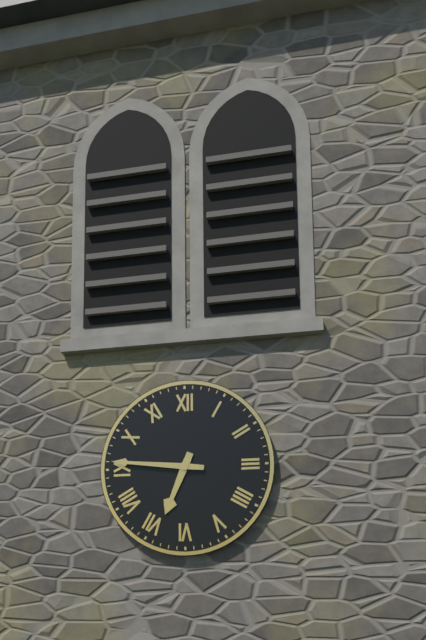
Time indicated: 6h46
